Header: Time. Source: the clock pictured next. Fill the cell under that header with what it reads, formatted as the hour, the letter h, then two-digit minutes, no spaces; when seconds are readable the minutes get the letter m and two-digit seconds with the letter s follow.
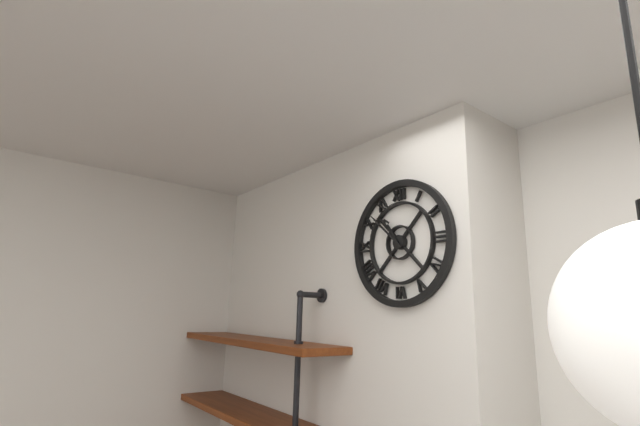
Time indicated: 10h52
